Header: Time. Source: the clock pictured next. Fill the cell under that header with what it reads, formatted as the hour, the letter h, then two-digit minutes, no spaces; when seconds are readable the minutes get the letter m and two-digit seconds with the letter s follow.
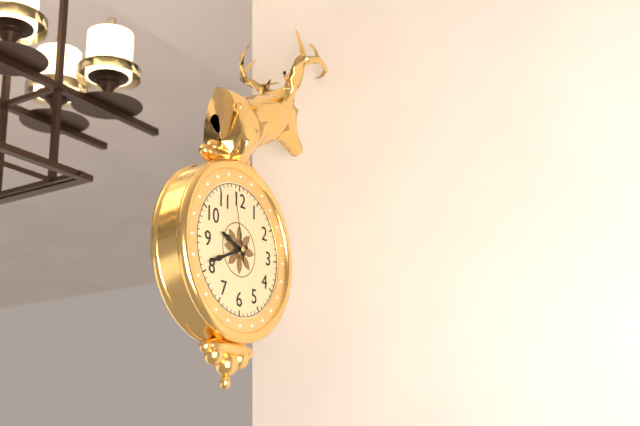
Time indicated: 9h41m58s
